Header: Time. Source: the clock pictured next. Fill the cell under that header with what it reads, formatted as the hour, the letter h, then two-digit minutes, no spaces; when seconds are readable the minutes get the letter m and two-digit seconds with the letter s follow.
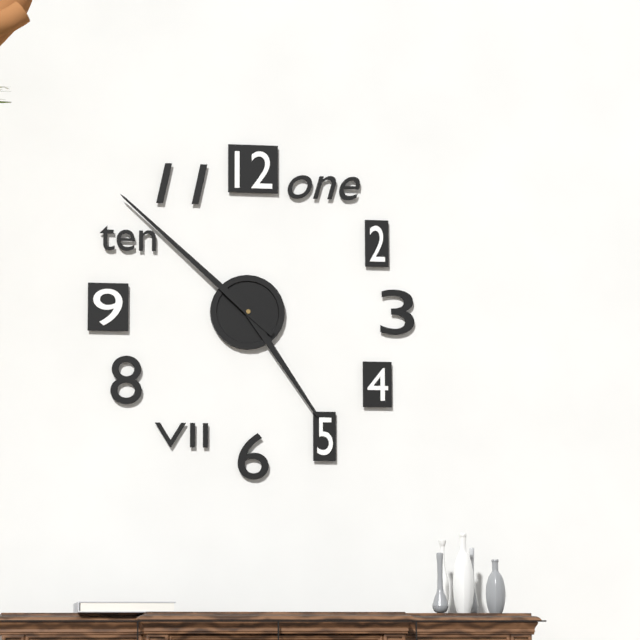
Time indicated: 4h52
